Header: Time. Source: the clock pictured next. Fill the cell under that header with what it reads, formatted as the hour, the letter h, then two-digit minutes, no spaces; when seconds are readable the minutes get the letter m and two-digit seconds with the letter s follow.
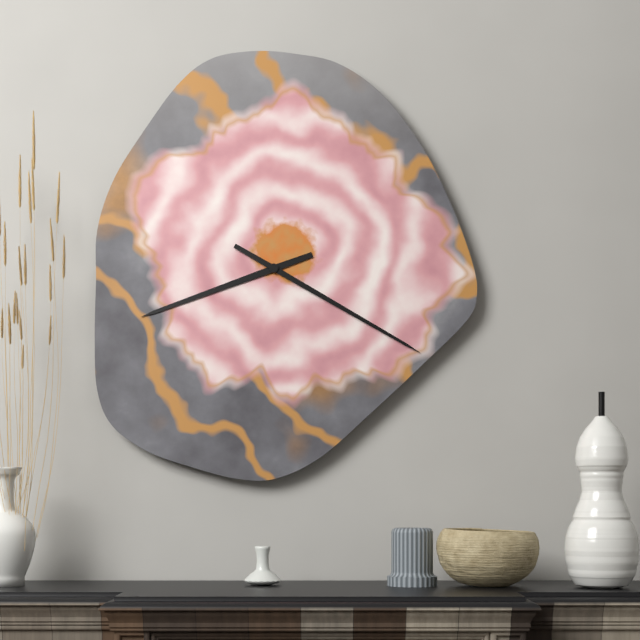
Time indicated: 8h20
